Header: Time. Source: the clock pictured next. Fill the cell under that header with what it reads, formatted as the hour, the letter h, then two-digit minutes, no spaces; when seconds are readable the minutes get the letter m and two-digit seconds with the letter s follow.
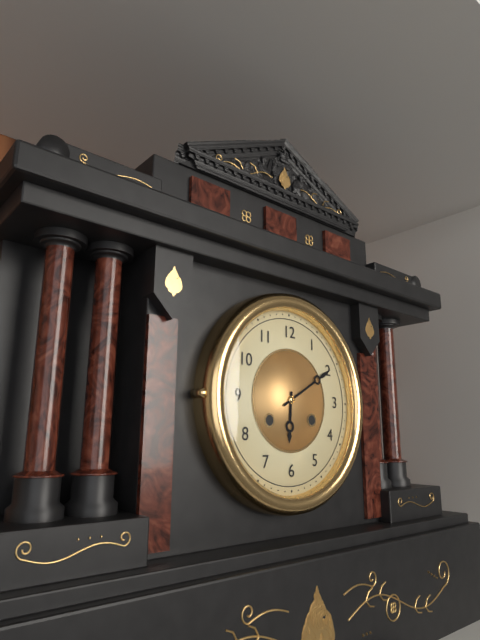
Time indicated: 6h10
